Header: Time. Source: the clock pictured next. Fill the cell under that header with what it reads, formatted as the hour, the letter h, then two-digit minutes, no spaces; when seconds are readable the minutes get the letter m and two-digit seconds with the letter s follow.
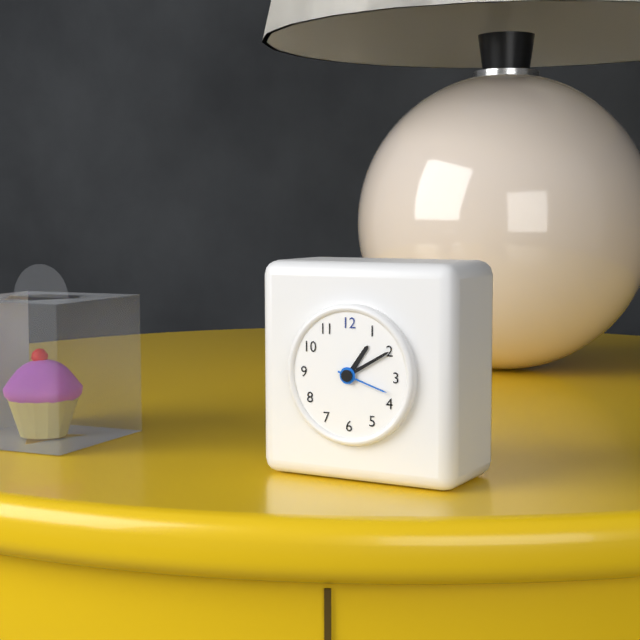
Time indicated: 1h10m18s
